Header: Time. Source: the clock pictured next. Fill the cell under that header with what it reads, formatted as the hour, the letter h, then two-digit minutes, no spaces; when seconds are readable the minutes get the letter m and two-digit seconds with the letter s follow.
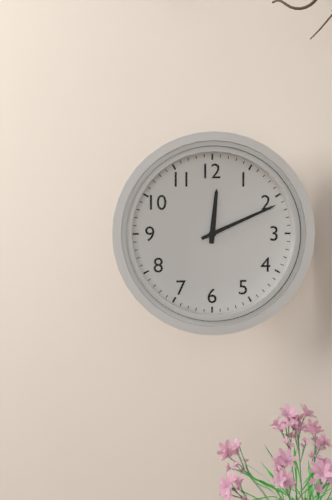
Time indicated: 12h11
